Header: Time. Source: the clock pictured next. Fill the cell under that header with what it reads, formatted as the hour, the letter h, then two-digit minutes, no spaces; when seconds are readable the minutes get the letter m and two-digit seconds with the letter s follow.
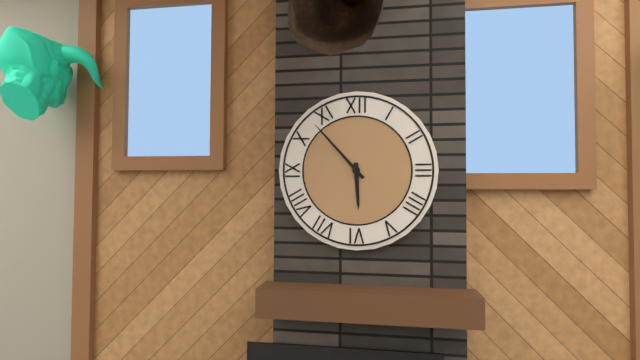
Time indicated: 5h53
